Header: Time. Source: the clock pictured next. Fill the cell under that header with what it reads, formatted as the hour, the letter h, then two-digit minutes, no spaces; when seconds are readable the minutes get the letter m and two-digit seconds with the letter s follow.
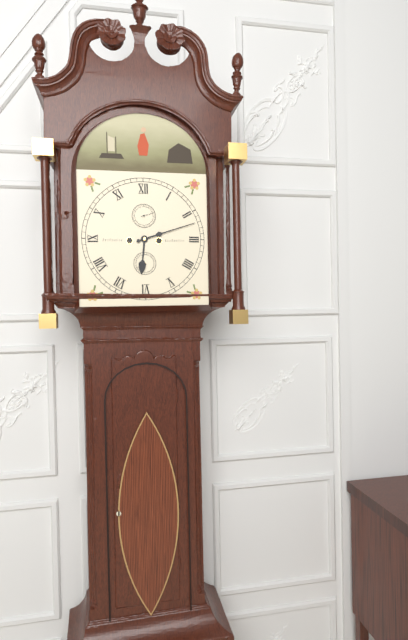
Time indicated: 6h12
